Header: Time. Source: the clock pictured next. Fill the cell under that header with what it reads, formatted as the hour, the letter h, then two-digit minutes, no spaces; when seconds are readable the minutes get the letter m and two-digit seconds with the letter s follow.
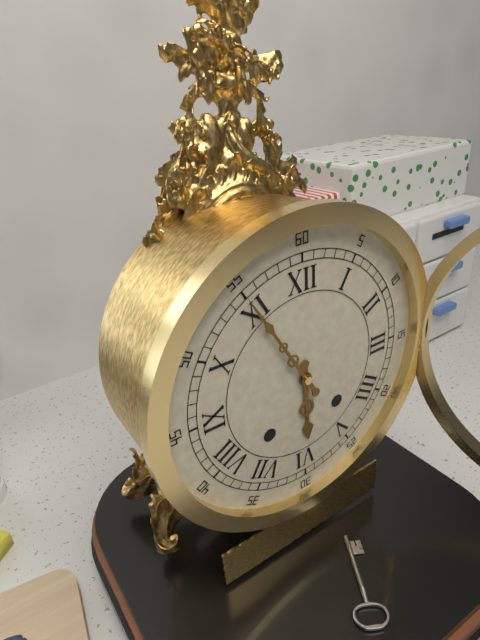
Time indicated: 5h55
